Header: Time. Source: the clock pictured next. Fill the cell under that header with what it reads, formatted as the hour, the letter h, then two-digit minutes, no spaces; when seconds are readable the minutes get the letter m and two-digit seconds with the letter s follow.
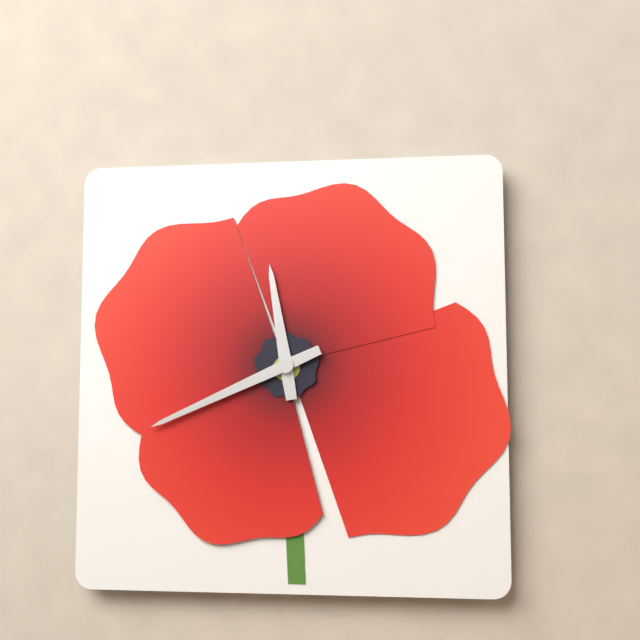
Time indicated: 11h41
